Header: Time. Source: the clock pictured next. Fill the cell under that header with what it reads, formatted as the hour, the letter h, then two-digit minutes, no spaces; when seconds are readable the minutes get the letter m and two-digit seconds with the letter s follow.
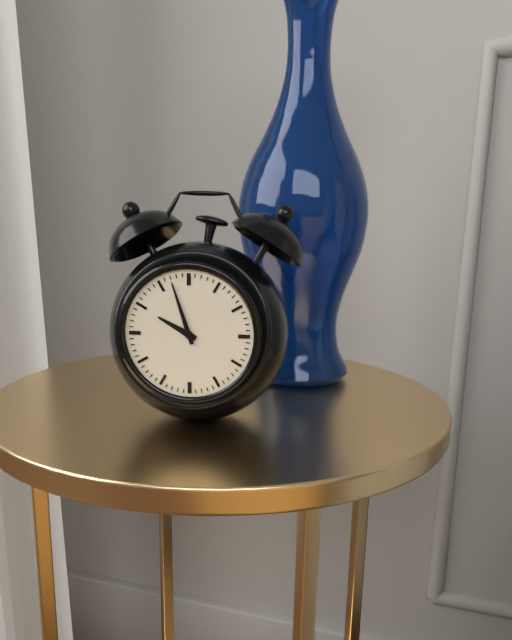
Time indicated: 9h57
